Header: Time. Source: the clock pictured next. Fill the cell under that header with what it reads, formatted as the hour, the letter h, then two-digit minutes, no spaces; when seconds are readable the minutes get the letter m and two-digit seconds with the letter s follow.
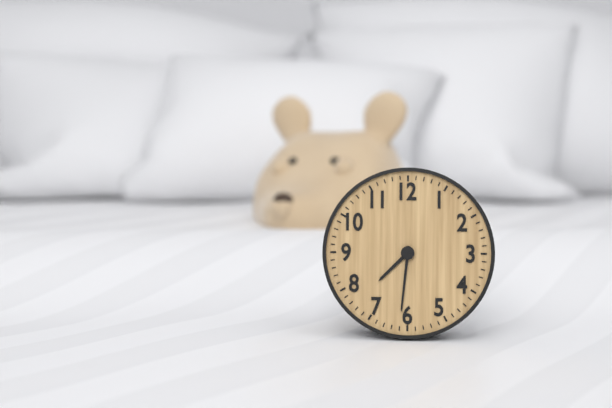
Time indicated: 7h31
